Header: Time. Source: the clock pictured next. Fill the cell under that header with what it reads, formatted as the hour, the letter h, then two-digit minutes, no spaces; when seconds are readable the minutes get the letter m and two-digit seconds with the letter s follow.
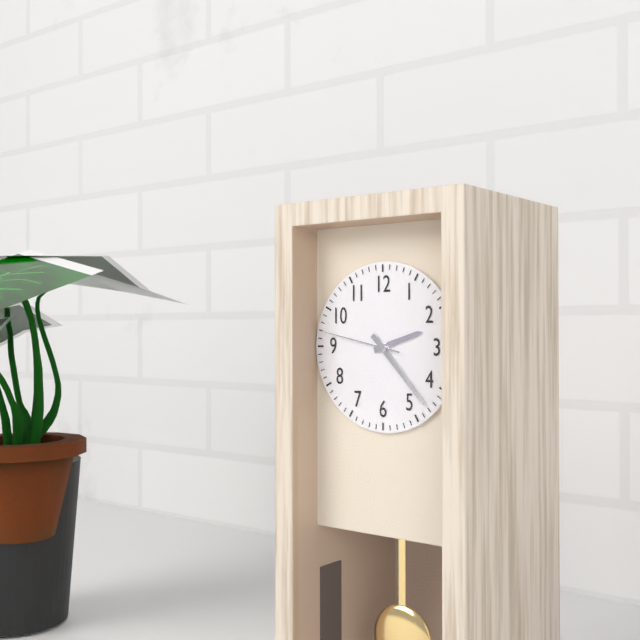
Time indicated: 2h23m47s
